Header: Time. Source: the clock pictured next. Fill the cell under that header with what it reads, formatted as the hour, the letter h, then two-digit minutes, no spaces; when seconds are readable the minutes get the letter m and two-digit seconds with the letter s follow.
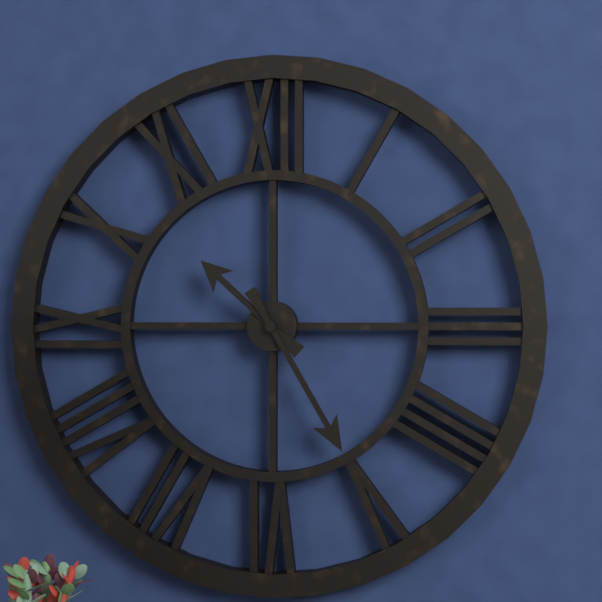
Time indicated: 10h25
